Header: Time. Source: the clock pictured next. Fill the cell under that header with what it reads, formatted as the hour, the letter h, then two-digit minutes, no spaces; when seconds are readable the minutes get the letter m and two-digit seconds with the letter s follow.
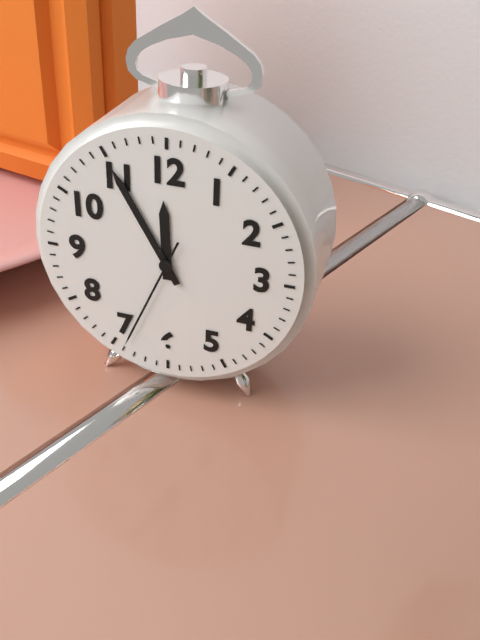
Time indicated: 11h55m34s
